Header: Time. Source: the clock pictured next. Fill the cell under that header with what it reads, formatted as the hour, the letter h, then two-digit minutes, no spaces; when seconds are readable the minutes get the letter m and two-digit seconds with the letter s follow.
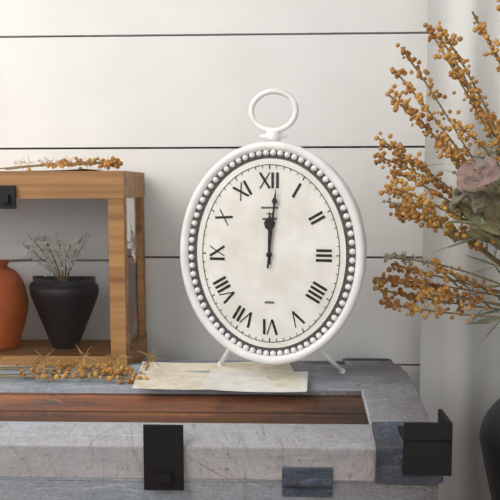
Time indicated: 12h01
